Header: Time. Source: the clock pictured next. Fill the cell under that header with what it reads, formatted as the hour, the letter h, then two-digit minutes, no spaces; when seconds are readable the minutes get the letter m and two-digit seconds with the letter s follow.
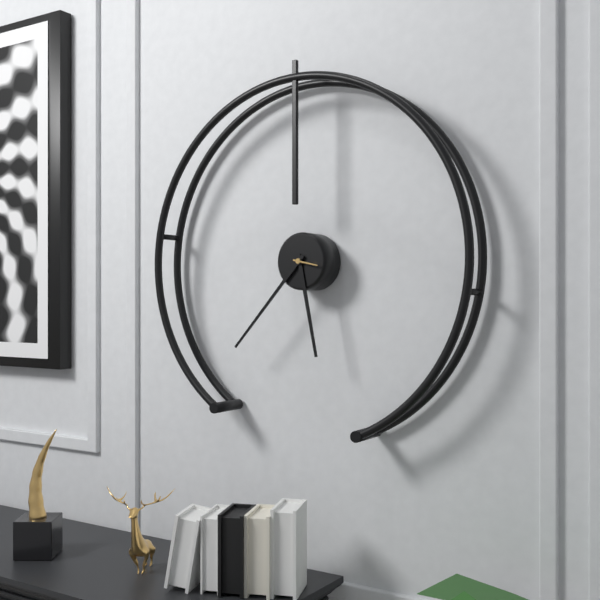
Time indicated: 5h37
